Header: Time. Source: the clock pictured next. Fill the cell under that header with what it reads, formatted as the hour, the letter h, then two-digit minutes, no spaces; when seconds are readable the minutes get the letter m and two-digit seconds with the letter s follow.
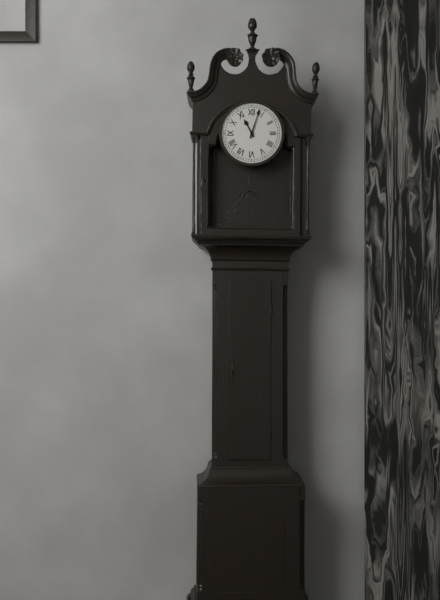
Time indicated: 11h03
